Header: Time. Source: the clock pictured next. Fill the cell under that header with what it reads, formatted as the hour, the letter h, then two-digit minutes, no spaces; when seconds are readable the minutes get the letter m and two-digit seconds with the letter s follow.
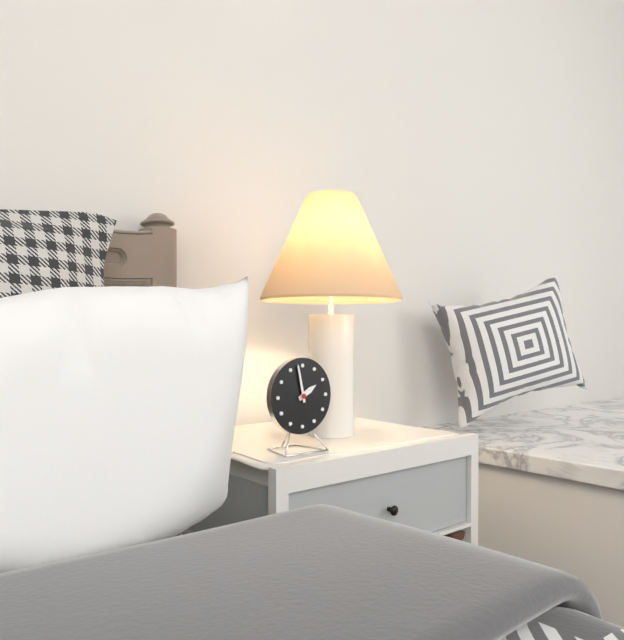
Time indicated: 1h58
